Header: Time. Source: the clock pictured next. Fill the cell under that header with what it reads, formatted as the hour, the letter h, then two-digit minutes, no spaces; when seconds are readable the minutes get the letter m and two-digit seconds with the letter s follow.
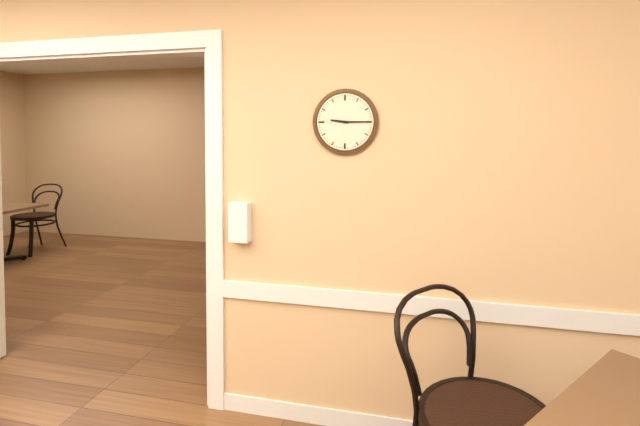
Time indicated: 9h15
